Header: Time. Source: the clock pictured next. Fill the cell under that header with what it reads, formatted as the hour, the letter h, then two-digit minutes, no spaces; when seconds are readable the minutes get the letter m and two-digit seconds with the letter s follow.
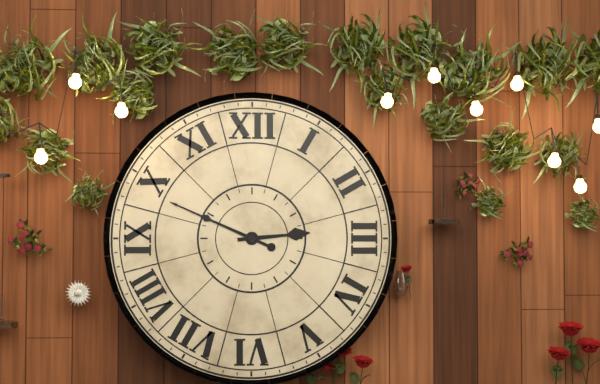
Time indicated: 2h49
